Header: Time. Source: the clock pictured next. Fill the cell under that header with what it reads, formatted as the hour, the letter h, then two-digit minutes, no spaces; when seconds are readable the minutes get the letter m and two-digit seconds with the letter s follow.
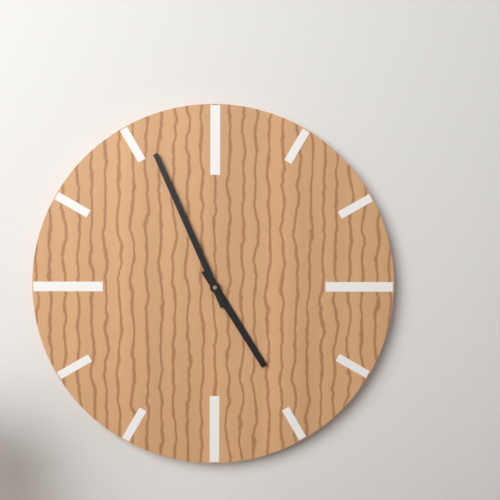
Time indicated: 4h56
